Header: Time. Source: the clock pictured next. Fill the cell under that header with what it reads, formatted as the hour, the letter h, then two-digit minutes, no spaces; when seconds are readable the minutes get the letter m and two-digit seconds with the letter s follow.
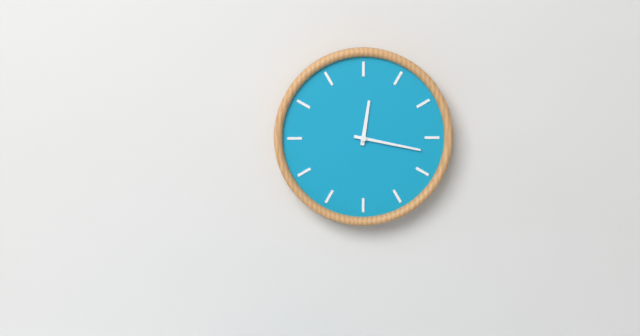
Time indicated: 12h17
